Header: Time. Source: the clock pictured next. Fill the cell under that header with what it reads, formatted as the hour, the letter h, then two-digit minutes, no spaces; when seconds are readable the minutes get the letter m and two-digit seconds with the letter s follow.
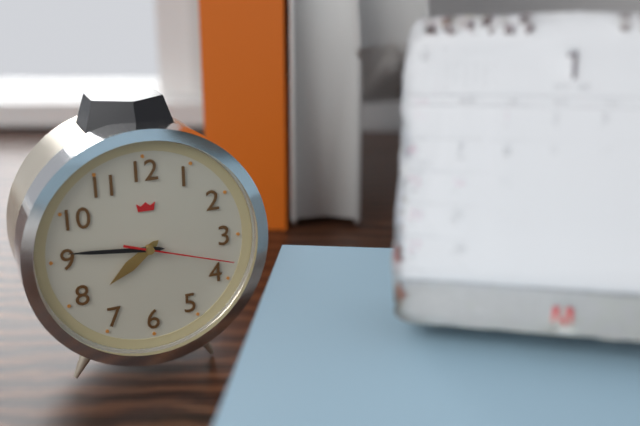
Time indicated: 7h46m18s
